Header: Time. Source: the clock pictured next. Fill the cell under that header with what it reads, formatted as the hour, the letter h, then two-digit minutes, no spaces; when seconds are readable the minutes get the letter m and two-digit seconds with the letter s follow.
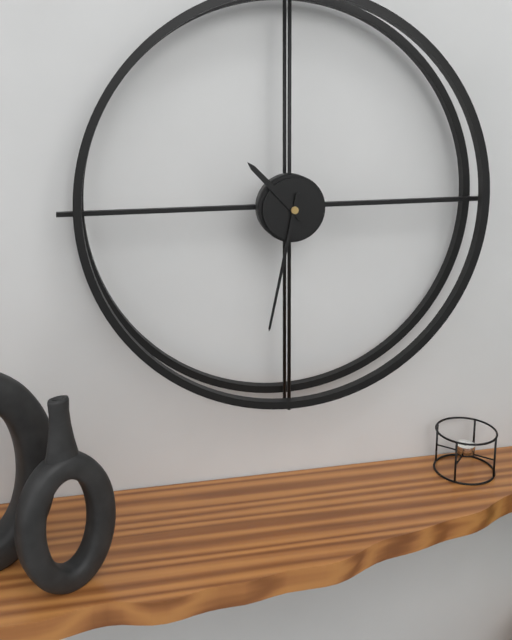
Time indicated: 10h32
